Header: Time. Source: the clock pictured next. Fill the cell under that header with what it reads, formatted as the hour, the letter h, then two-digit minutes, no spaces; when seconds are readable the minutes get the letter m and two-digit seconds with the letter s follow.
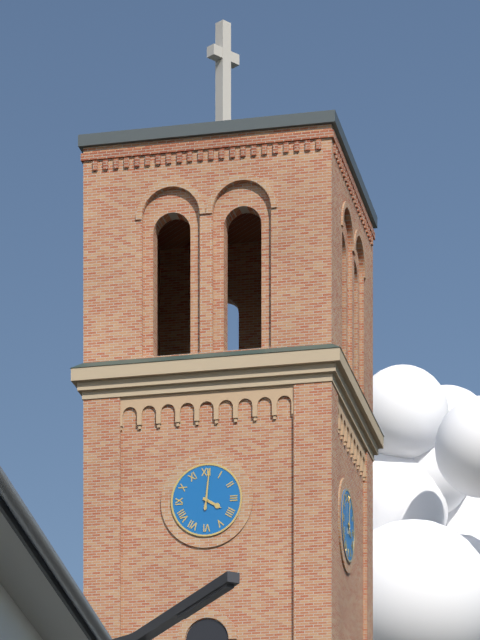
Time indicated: 4h01
